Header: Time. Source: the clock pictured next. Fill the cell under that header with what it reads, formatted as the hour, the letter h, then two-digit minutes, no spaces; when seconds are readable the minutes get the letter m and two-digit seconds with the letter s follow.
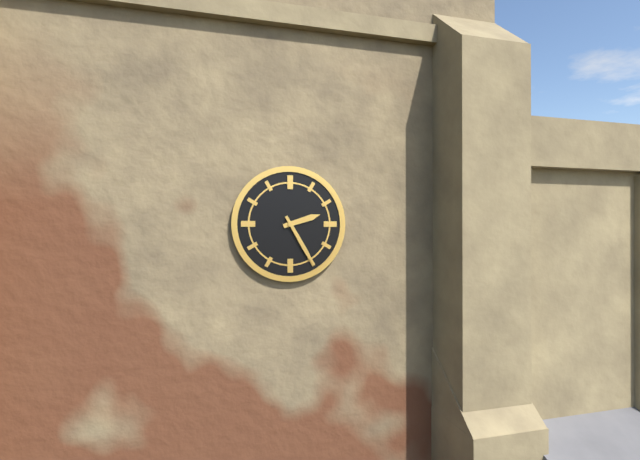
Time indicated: 2h25
